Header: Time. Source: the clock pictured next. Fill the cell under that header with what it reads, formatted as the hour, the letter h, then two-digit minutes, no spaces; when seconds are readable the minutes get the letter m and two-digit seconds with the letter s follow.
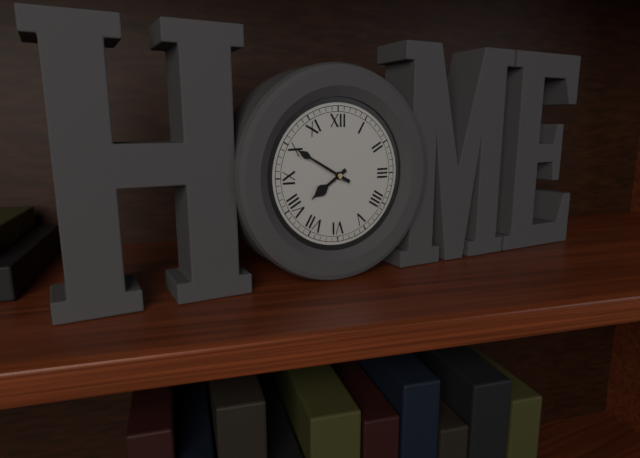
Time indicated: 7h50
